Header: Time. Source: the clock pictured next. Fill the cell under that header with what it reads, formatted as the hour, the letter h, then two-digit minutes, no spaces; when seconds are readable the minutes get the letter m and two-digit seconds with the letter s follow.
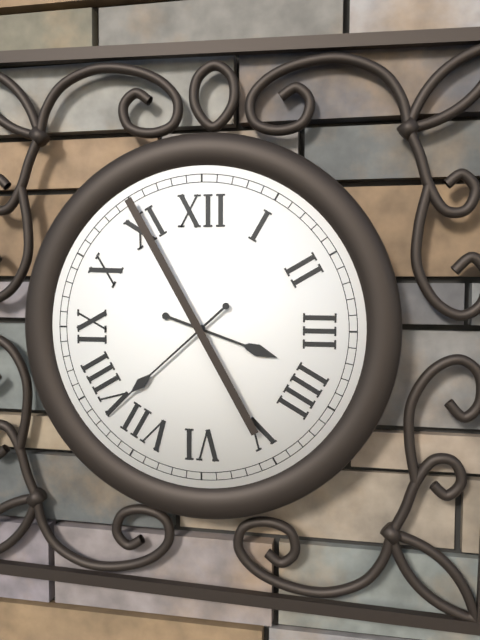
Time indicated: 3h38
